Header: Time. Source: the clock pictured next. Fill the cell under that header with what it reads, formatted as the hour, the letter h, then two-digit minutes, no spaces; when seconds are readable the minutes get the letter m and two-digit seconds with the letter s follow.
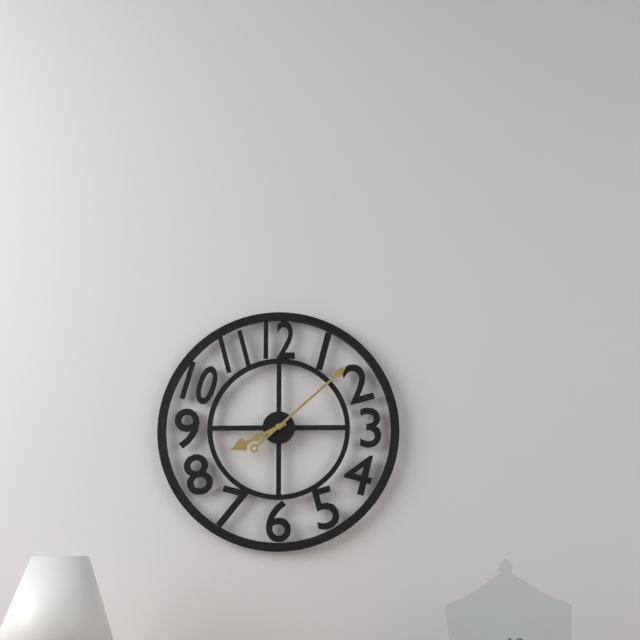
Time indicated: 8h08
